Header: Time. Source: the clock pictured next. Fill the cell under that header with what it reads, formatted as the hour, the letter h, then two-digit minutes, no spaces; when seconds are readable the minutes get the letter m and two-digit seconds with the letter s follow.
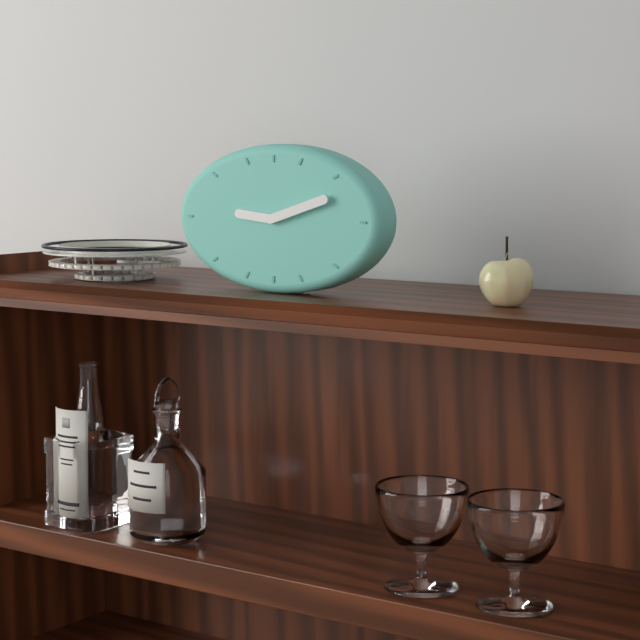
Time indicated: 9h12
